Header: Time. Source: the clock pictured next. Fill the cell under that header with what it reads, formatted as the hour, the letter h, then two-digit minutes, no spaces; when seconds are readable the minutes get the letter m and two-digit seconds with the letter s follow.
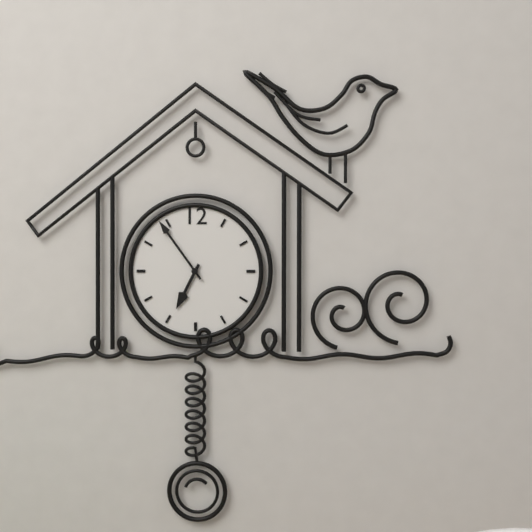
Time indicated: 6h54
